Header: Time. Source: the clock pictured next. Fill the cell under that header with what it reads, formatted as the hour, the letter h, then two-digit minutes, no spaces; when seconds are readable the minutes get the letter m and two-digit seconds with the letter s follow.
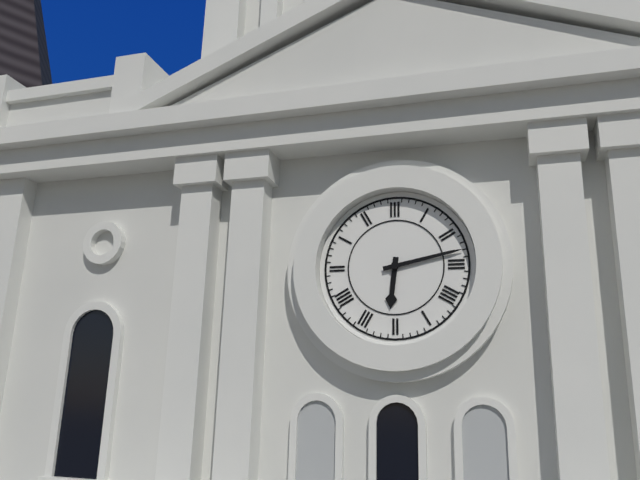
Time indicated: 6h13
